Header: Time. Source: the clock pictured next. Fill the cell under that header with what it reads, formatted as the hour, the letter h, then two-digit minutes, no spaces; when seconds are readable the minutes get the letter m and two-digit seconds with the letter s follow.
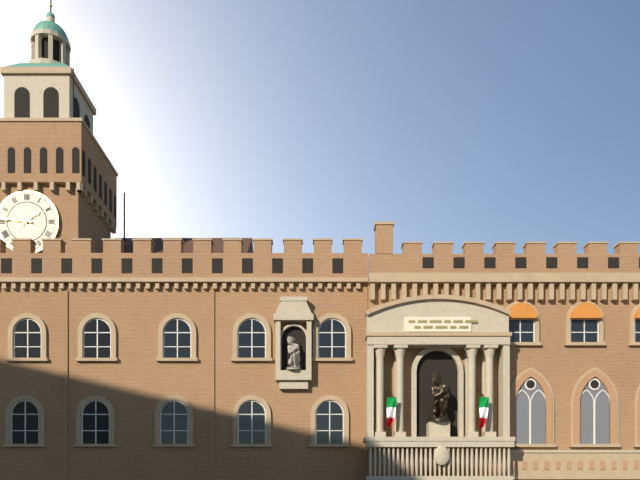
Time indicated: 1h46
